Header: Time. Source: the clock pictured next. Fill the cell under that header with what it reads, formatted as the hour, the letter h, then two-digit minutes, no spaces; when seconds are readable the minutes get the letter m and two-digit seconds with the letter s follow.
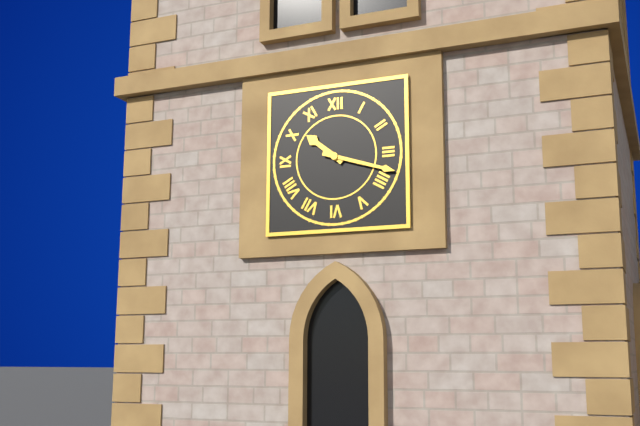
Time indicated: 10h18
